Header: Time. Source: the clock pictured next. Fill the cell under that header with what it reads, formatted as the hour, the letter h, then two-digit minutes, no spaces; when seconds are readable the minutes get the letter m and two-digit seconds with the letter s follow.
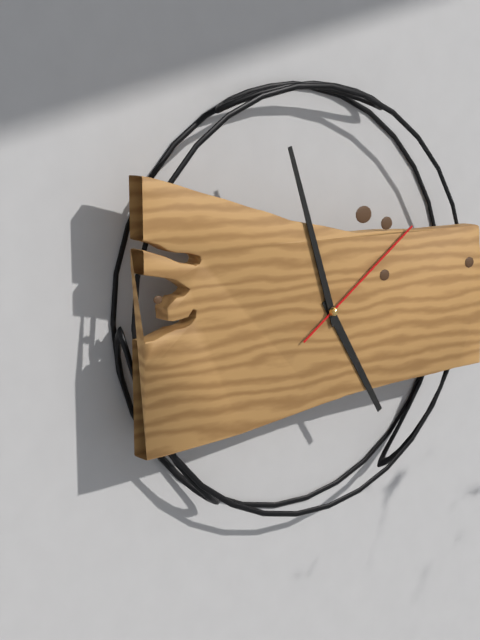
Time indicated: 4h57m09s
